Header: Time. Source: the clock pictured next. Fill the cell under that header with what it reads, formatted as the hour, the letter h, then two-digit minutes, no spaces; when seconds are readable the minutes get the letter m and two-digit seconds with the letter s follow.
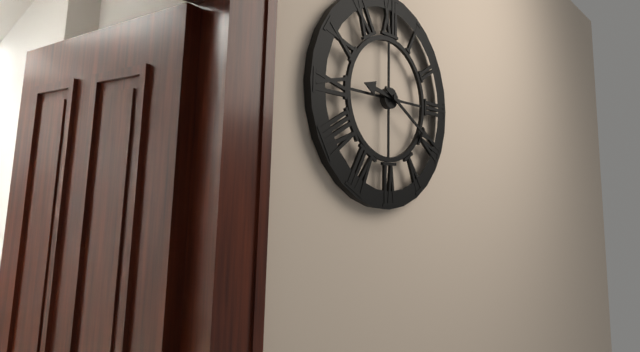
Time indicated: 9h20
